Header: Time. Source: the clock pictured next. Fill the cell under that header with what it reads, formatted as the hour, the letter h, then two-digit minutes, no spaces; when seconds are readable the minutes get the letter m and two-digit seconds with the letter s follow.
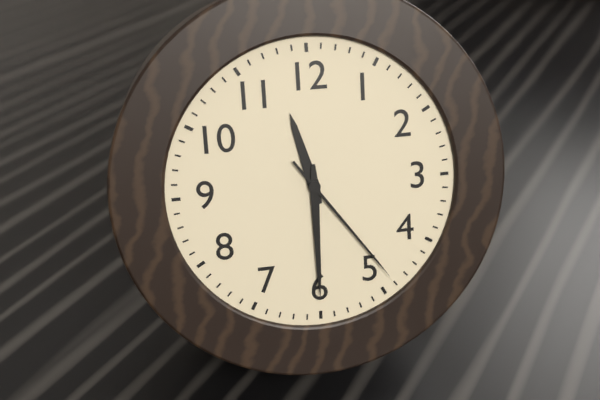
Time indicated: 11h30m24s
